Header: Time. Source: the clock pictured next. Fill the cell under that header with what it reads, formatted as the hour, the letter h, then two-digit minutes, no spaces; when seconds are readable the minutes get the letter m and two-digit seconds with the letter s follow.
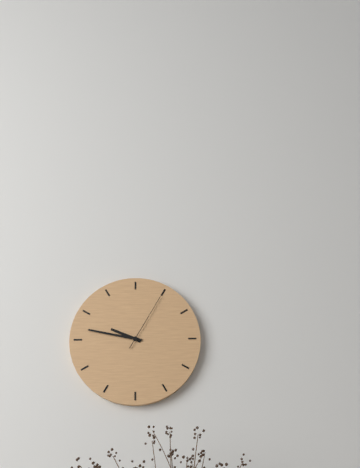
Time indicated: 9h47m05s
